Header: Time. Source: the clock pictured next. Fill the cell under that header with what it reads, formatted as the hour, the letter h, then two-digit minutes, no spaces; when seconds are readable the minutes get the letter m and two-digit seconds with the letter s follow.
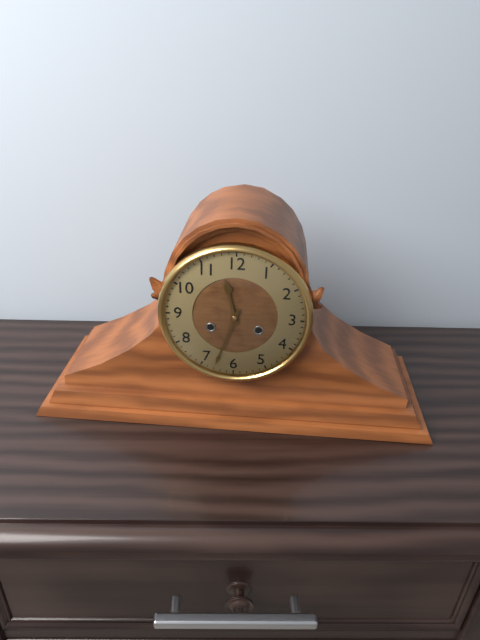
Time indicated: 11h33
